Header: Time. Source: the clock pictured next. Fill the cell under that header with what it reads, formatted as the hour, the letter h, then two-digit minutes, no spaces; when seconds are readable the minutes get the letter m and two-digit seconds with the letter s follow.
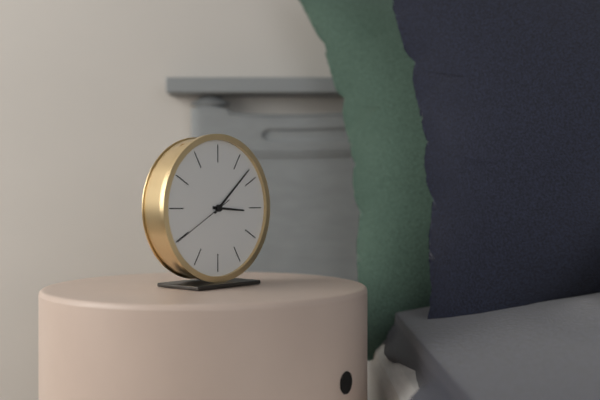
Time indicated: 3h08m40s
